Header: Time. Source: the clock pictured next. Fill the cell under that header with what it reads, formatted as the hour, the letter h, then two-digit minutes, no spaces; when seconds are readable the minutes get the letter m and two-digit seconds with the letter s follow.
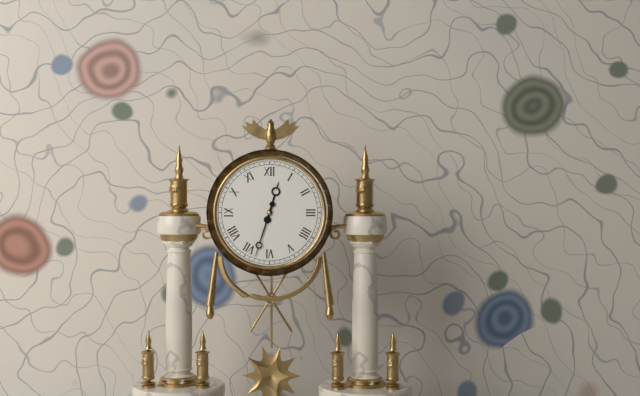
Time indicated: 12h33
